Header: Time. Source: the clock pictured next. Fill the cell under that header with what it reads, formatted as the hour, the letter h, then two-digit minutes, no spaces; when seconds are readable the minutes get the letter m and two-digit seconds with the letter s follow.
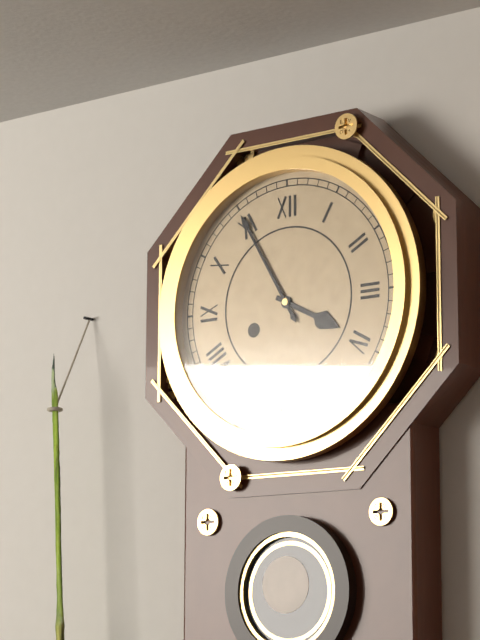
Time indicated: 3h55
